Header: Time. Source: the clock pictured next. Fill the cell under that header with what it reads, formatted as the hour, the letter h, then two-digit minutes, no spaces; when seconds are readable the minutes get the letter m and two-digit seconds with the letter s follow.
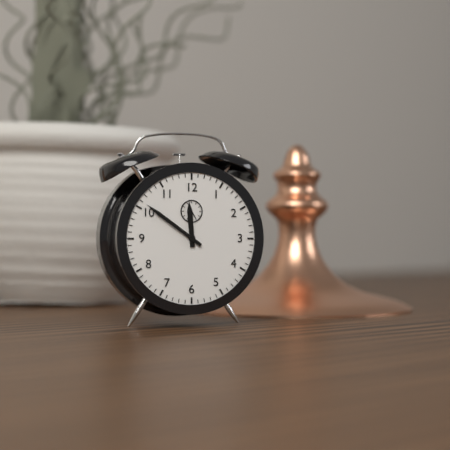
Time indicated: 11h51
